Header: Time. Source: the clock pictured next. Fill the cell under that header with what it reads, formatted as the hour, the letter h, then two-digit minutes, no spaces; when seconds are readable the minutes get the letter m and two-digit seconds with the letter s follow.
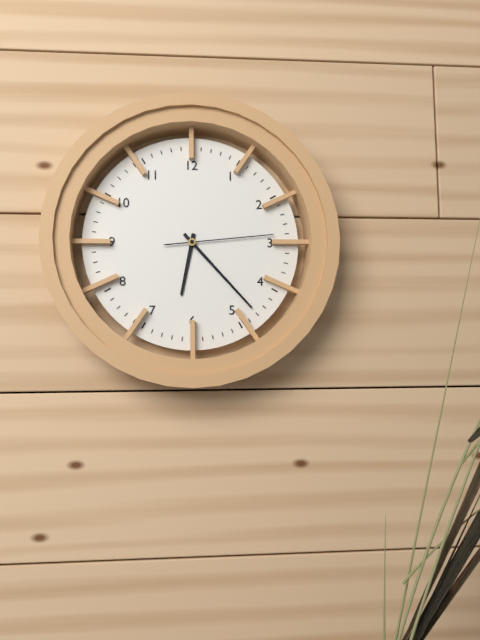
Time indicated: 6h23m14s
